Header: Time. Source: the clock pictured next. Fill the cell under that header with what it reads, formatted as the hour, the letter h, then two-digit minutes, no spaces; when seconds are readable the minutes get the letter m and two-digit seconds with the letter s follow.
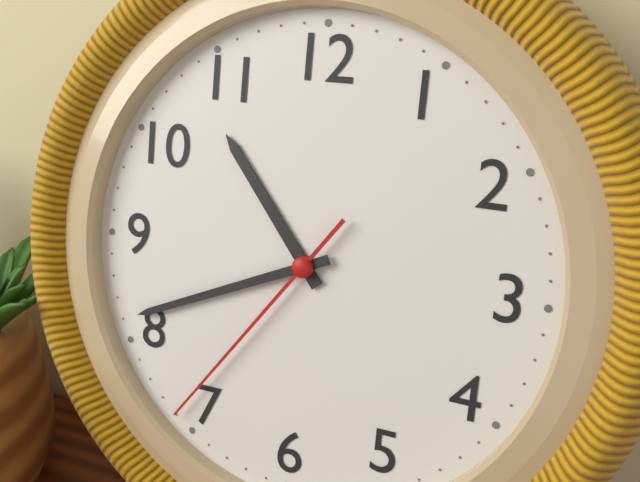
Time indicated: 10h41m36s
